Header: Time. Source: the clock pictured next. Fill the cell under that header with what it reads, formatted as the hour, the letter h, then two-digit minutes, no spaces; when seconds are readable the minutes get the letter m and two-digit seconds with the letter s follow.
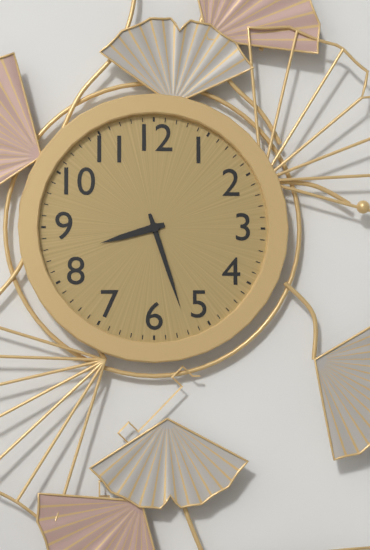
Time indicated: 8h27
